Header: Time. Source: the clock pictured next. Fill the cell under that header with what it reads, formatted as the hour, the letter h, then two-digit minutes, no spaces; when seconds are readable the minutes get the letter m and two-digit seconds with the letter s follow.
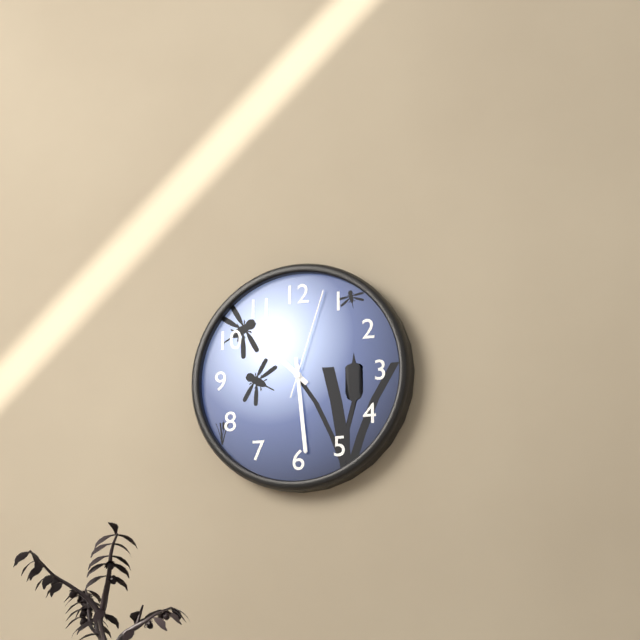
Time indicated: 10h29m03s
